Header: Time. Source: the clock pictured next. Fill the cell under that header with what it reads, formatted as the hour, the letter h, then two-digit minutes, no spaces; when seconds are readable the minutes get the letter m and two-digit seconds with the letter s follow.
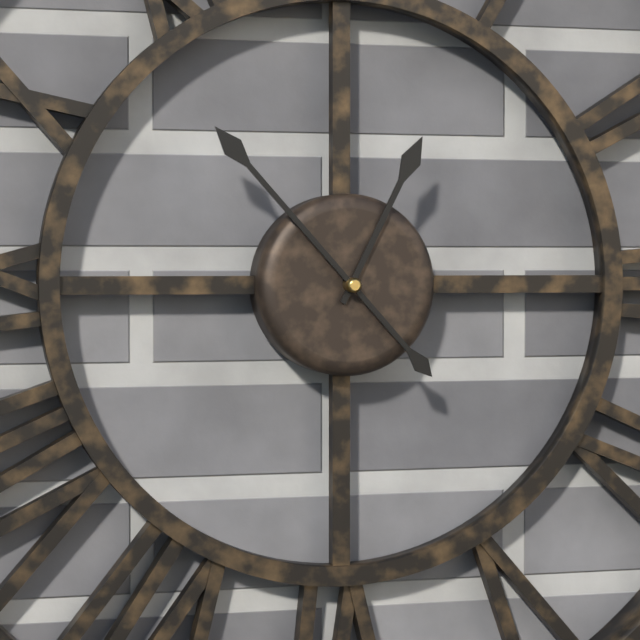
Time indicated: 12h53
